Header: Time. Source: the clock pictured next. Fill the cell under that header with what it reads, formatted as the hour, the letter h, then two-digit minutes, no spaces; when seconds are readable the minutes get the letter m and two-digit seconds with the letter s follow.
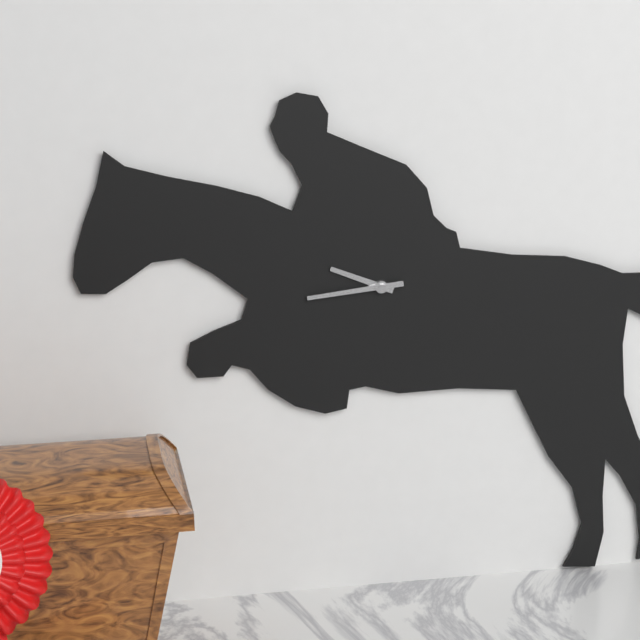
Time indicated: 9h44
